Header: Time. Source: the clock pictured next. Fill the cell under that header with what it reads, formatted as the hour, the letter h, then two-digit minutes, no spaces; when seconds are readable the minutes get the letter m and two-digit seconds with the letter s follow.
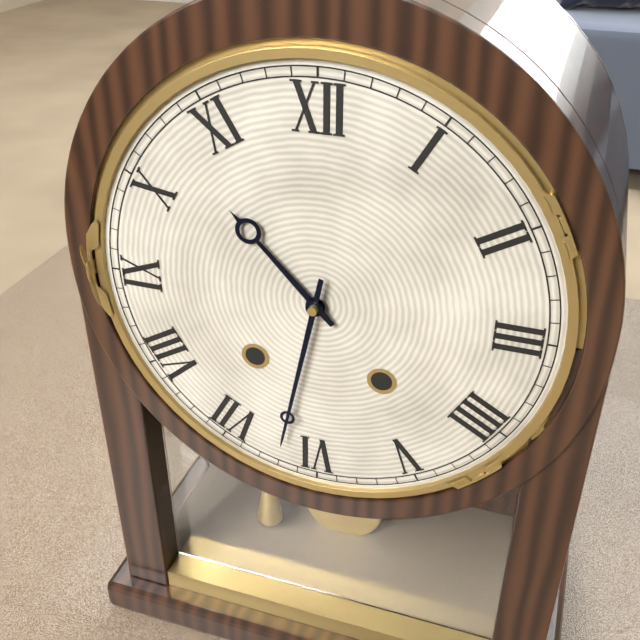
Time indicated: 10h32
